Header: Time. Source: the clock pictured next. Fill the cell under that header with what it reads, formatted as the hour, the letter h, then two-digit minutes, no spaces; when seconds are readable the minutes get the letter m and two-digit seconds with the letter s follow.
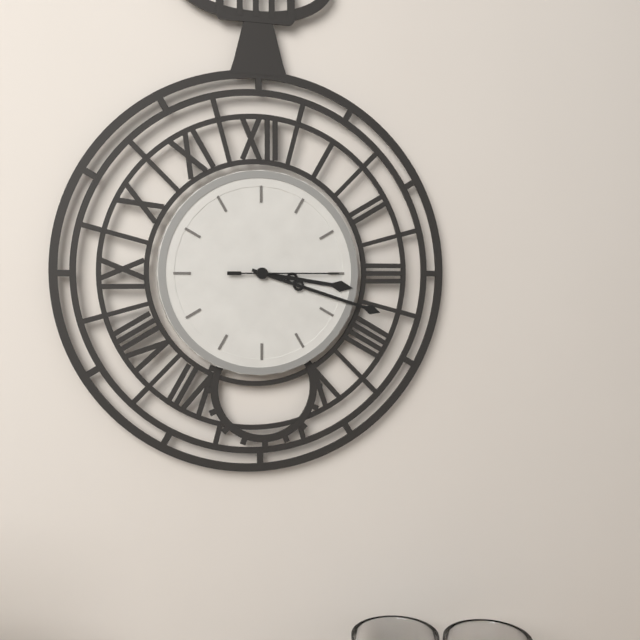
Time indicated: 3h18m15s
